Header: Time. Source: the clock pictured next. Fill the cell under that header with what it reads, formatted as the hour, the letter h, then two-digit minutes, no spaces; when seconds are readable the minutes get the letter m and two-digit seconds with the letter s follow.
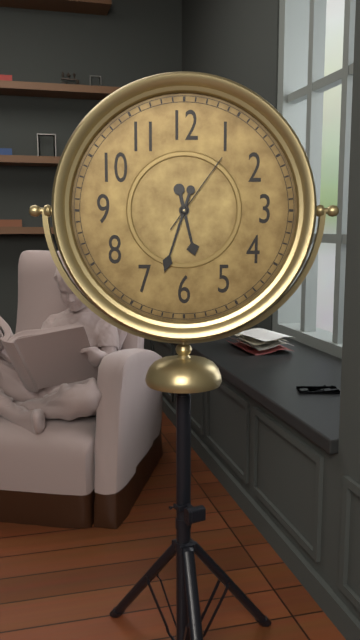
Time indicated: 5h33m06s
